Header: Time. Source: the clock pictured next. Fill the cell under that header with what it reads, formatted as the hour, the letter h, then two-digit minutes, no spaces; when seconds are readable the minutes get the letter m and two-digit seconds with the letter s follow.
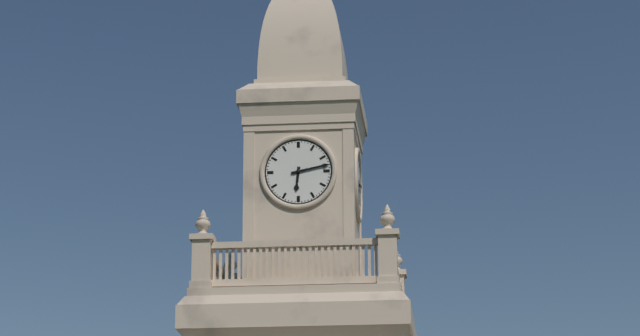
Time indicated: 6h13
